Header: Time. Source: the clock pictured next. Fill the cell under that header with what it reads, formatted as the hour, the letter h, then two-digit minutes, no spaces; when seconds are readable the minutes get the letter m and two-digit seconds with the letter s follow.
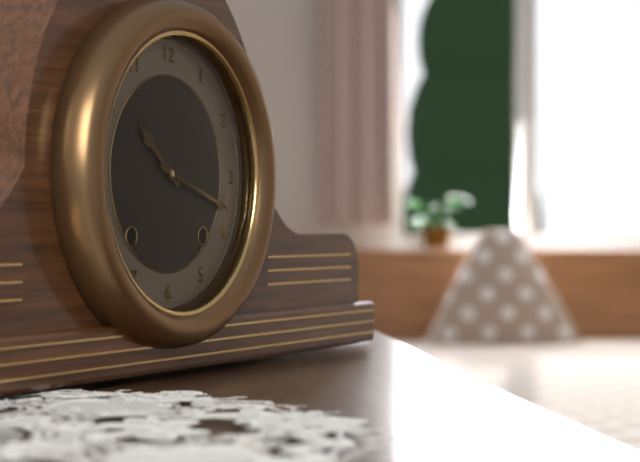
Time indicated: 10h18
